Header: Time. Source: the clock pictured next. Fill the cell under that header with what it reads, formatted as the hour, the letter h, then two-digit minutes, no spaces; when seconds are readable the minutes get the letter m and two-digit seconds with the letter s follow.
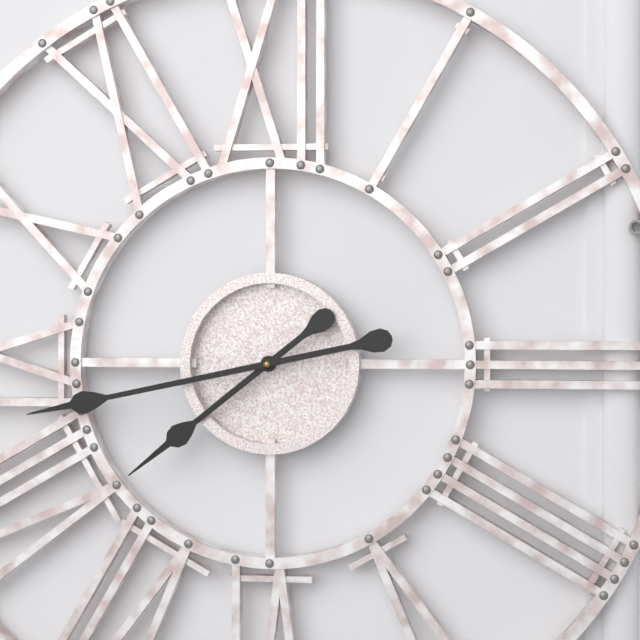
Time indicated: 7h43
